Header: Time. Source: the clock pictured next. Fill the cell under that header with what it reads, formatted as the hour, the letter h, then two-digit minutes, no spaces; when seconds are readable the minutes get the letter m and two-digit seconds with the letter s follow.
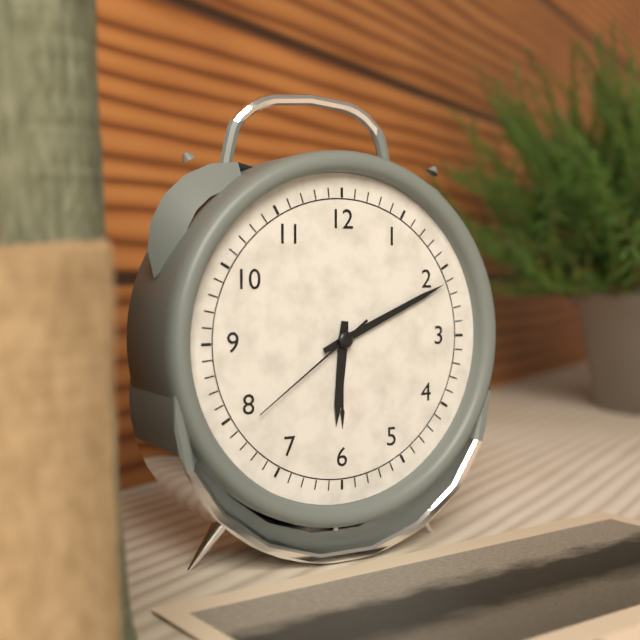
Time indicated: 6h11m39s
